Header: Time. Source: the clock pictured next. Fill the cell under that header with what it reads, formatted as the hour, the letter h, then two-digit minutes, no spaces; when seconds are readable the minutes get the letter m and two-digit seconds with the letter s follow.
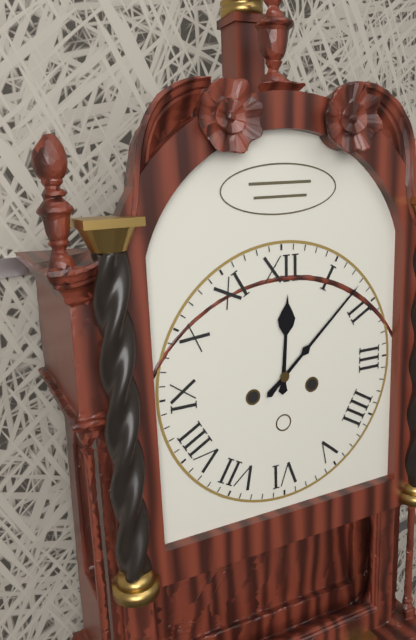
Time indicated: 12h08
